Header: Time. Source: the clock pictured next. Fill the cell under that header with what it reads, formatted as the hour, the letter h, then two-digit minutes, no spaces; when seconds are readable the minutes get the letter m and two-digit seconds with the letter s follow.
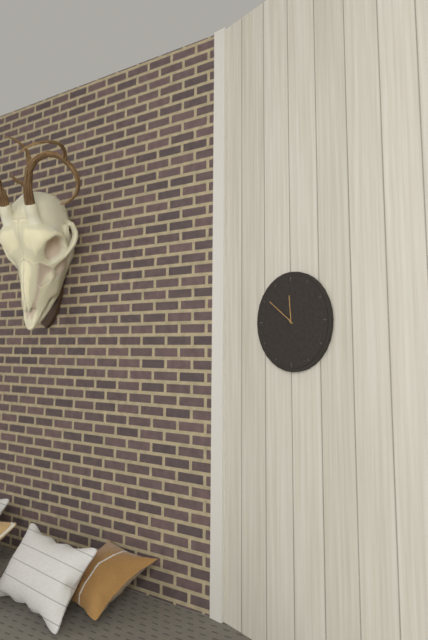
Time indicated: 11h51
